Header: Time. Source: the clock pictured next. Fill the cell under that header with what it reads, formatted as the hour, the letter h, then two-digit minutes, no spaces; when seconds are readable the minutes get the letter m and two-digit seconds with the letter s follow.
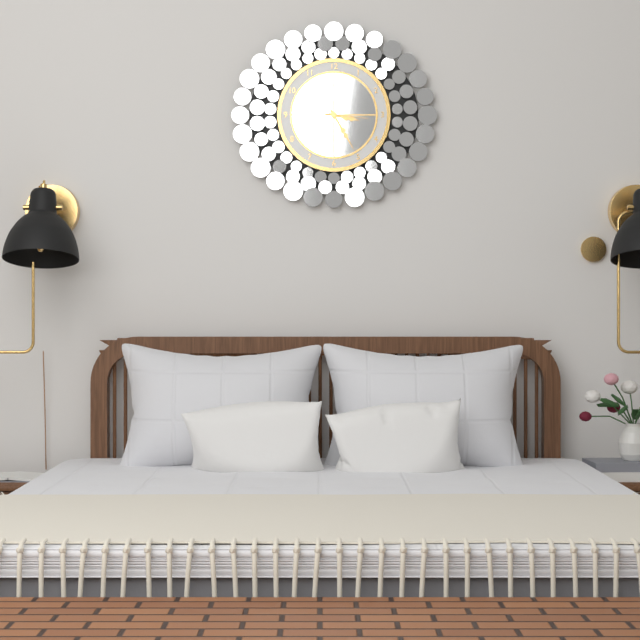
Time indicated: 3h25
